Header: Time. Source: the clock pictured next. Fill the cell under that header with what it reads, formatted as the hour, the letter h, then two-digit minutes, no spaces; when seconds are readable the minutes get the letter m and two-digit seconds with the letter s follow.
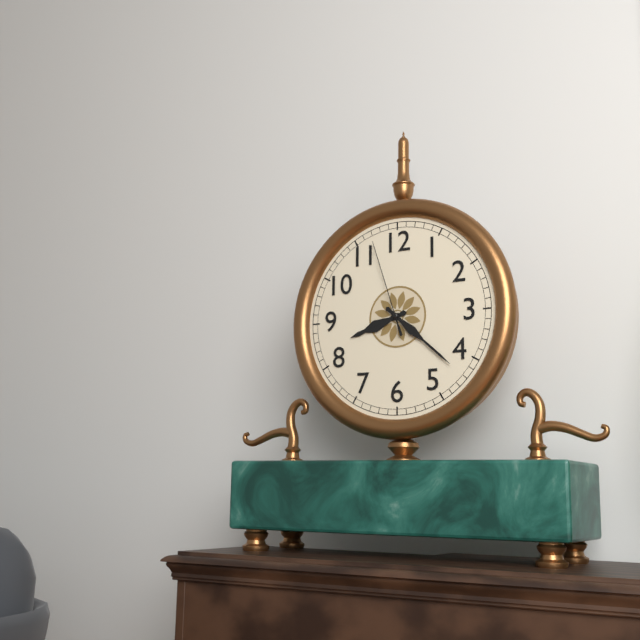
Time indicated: 8h22m57s
